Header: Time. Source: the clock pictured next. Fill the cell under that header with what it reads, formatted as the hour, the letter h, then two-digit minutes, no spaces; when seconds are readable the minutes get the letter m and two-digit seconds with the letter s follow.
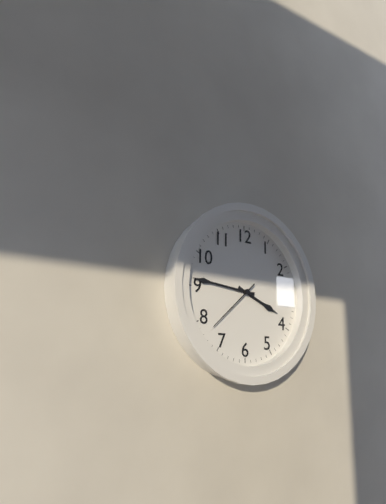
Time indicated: 3h46m38s
